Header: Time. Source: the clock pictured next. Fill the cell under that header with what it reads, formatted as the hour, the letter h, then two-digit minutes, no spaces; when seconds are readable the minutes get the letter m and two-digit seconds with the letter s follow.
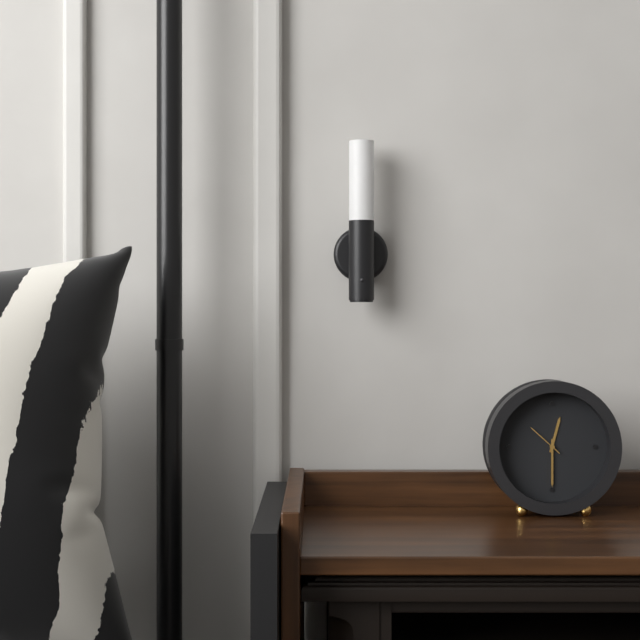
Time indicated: 12h30
